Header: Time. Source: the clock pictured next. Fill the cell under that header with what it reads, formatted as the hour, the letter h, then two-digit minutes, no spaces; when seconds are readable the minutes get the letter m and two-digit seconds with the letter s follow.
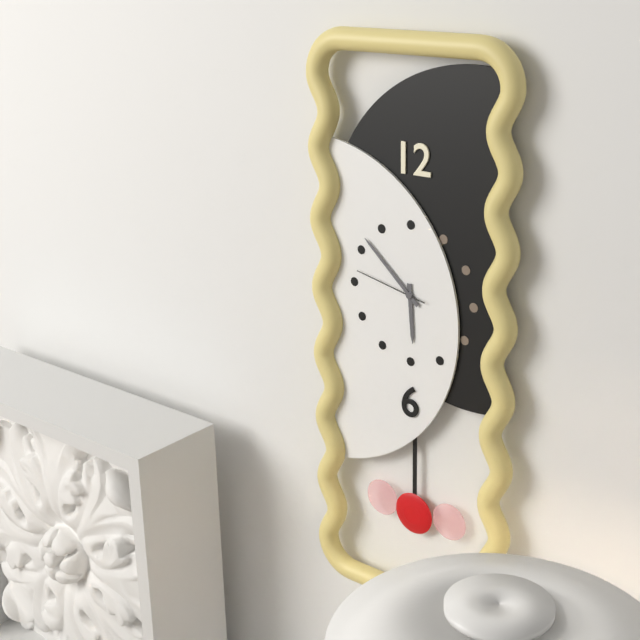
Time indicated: 5h52m47s
